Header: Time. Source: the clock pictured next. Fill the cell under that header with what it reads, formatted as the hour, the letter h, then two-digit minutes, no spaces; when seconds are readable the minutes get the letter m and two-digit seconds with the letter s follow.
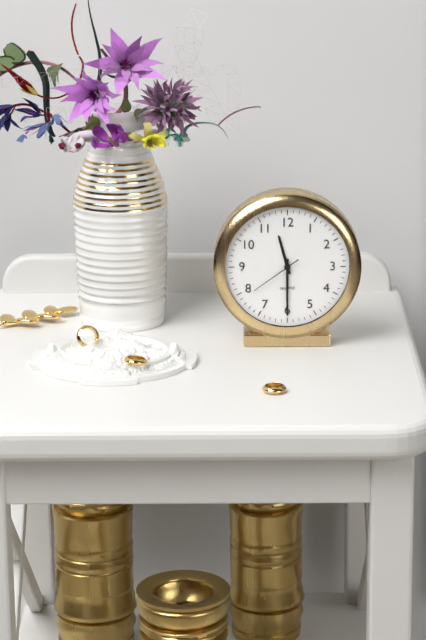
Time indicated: 11h30m39s
